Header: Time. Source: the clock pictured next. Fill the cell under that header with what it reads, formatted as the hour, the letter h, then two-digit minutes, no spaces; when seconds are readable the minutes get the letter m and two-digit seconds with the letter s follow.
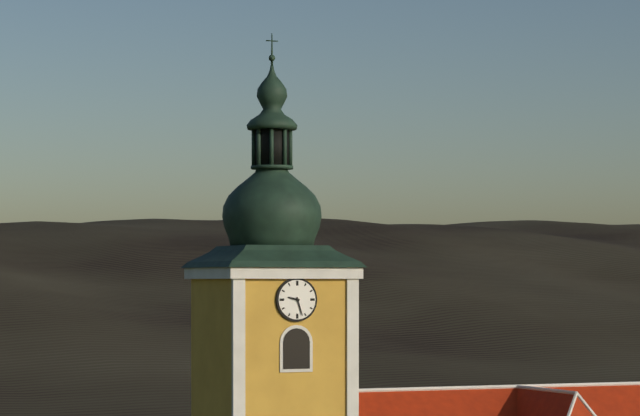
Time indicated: 9h27
